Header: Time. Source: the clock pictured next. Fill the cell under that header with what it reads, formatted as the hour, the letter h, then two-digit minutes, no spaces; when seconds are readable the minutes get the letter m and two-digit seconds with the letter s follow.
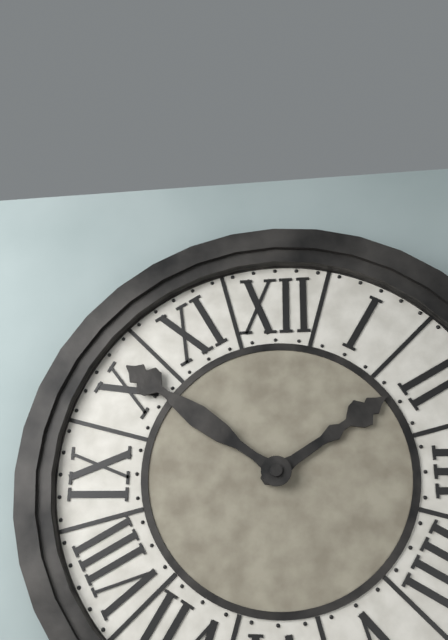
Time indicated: 1h51
